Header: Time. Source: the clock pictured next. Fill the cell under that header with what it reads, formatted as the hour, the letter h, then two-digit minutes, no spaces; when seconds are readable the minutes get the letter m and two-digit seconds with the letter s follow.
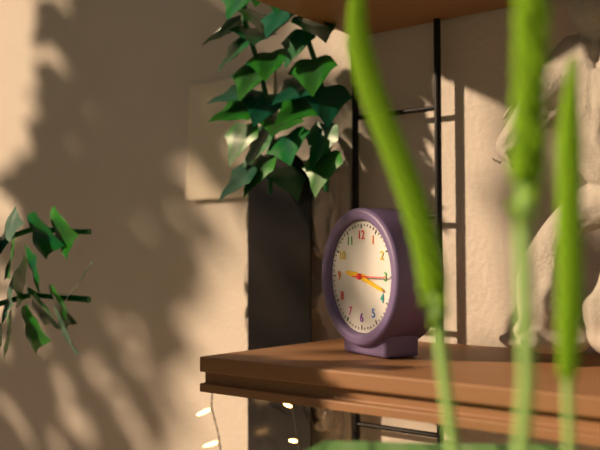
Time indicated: 9h18
